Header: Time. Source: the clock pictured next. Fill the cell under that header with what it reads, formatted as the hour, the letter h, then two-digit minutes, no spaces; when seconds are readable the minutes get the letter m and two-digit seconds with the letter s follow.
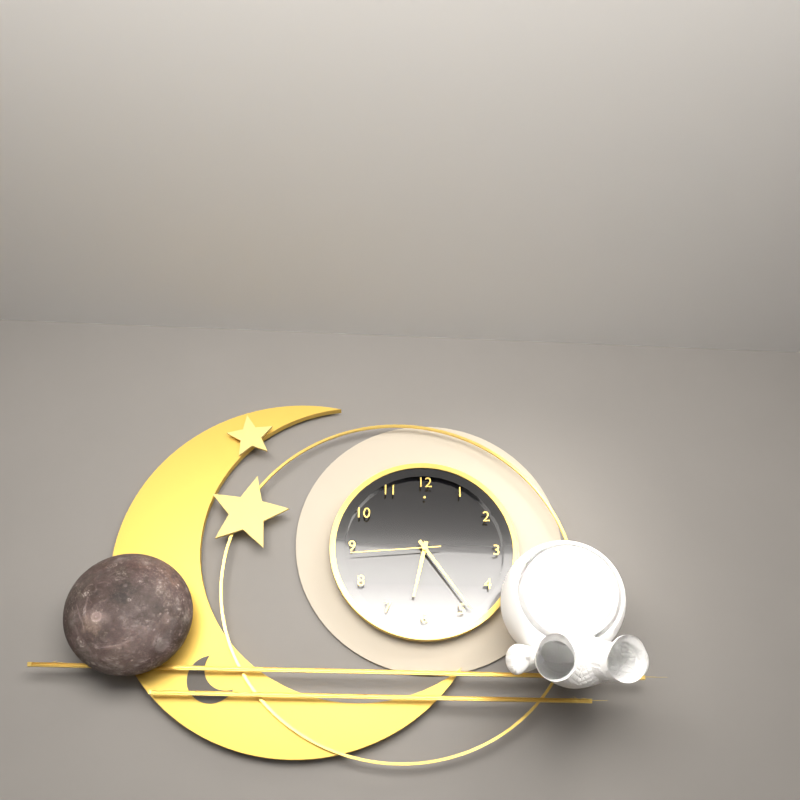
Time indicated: 6h24m44s
